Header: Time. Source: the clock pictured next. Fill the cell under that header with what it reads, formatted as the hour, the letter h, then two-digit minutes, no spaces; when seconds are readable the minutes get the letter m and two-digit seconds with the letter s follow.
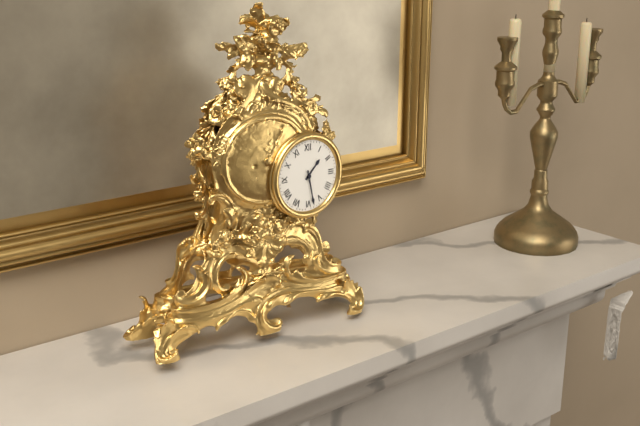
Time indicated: 1h28
